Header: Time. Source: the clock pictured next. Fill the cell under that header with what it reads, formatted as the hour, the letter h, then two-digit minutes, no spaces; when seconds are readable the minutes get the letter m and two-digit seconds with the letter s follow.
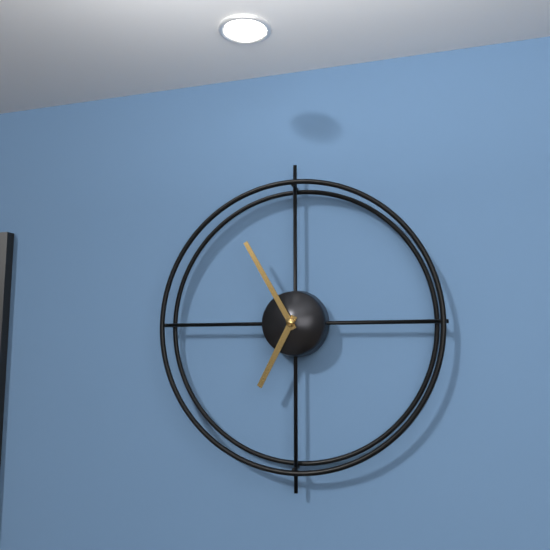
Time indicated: 6h55
